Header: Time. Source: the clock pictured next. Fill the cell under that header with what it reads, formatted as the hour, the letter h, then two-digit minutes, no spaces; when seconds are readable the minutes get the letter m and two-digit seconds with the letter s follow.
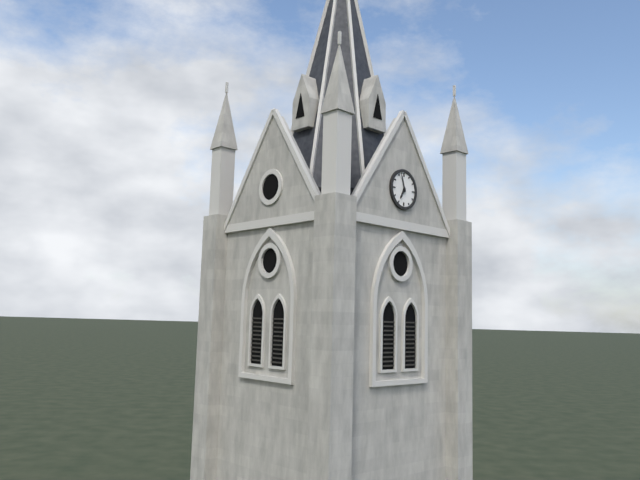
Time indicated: 6h57
